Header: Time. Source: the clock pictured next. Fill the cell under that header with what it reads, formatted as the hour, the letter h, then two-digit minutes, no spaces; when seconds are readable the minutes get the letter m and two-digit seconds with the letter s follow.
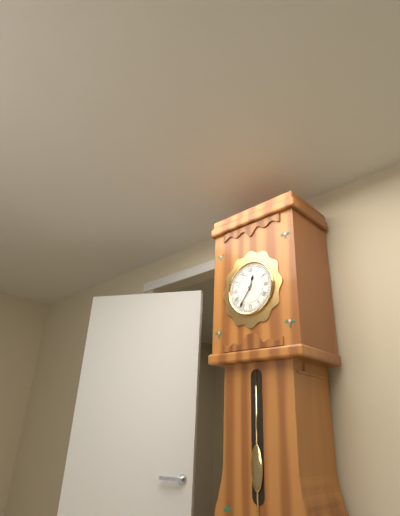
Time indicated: 12h36
